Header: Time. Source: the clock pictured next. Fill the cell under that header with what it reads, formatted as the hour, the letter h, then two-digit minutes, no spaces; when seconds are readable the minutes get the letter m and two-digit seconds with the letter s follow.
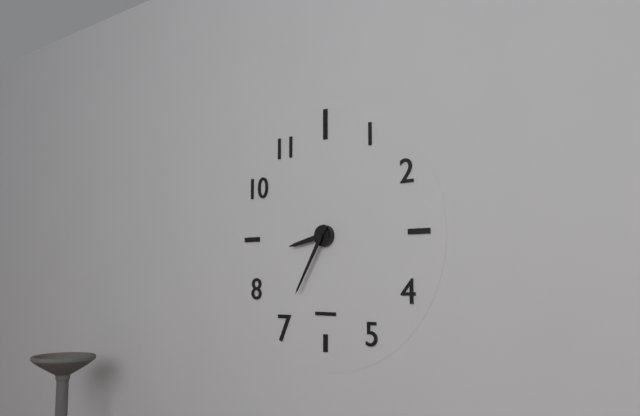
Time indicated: 8h35
